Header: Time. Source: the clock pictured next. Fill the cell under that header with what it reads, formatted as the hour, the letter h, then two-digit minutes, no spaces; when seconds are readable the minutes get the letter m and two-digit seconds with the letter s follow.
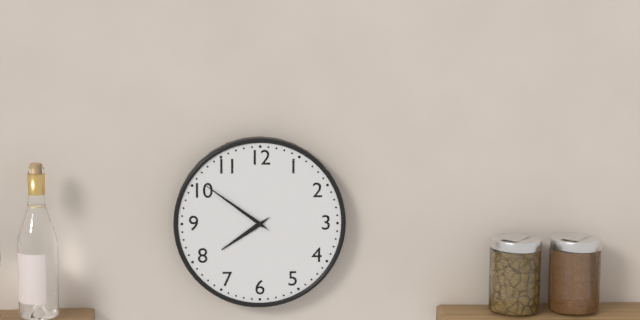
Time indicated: 7h51
